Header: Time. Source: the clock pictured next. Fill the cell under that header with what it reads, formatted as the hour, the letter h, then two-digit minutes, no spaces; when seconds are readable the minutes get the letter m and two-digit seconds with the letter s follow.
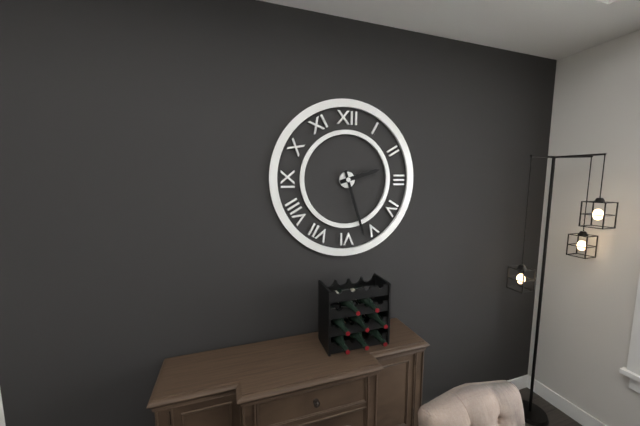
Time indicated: 2h27
